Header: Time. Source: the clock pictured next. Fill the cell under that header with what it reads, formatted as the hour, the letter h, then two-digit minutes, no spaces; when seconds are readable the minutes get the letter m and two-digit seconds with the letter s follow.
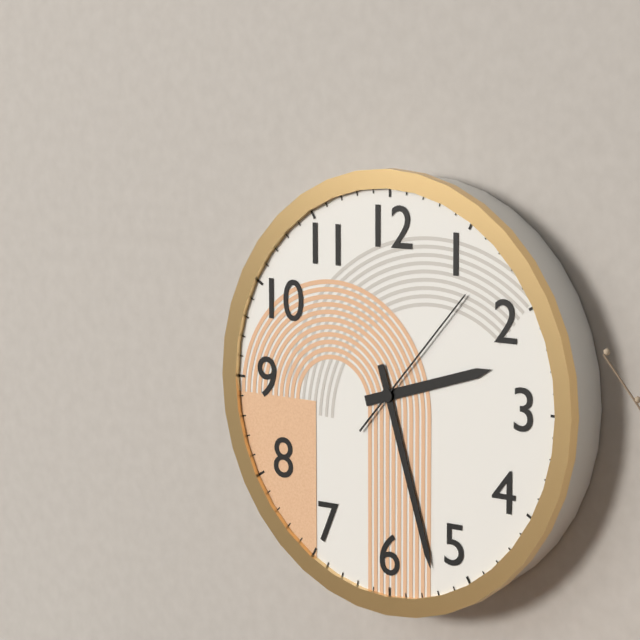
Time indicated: 2h27m07s
